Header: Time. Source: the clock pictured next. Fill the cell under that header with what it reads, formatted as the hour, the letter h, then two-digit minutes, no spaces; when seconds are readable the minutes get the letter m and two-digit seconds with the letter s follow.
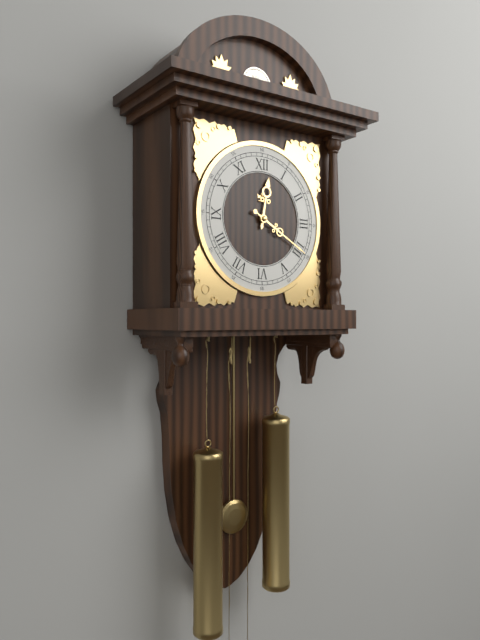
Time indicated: 12h20
